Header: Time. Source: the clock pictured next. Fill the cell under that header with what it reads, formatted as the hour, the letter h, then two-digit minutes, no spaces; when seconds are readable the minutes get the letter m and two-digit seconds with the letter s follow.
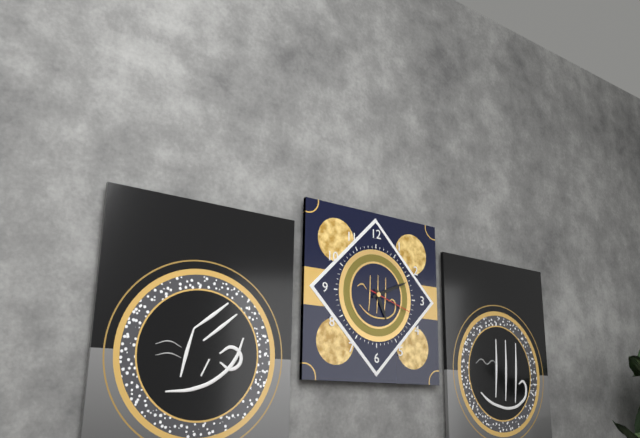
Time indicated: 5h11
